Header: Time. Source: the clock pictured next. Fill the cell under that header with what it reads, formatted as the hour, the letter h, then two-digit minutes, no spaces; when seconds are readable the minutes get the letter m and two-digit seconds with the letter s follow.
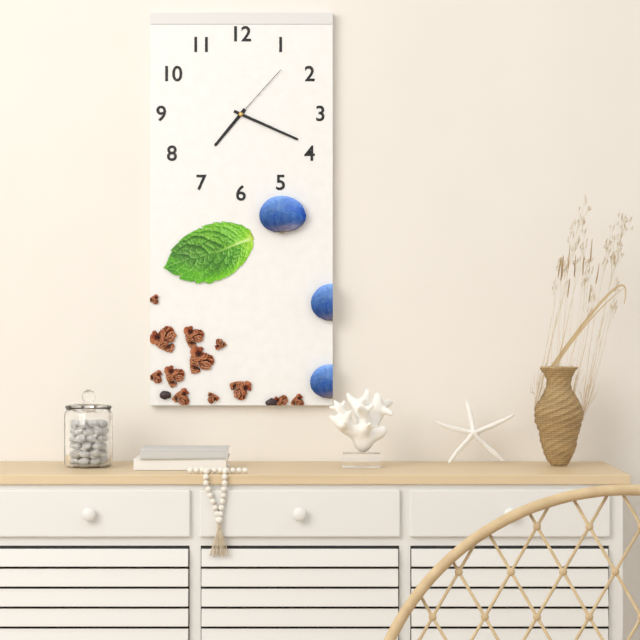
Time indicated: 7h19m07s
